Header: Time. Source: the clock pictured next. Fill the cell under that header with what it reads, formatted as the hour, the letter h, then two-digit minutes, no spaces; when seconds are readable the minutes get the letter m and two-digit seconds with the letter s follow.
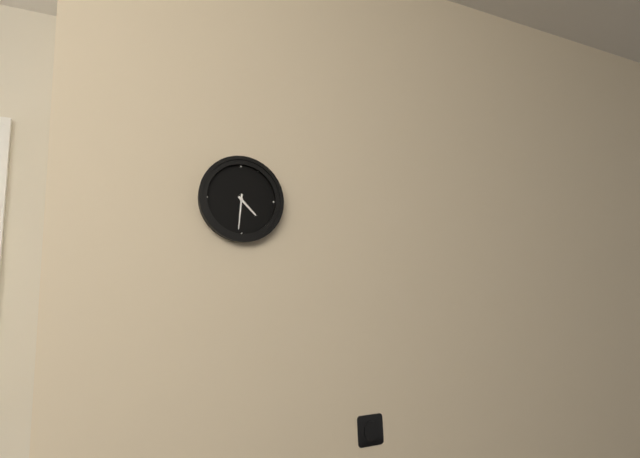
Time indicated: 4h31
